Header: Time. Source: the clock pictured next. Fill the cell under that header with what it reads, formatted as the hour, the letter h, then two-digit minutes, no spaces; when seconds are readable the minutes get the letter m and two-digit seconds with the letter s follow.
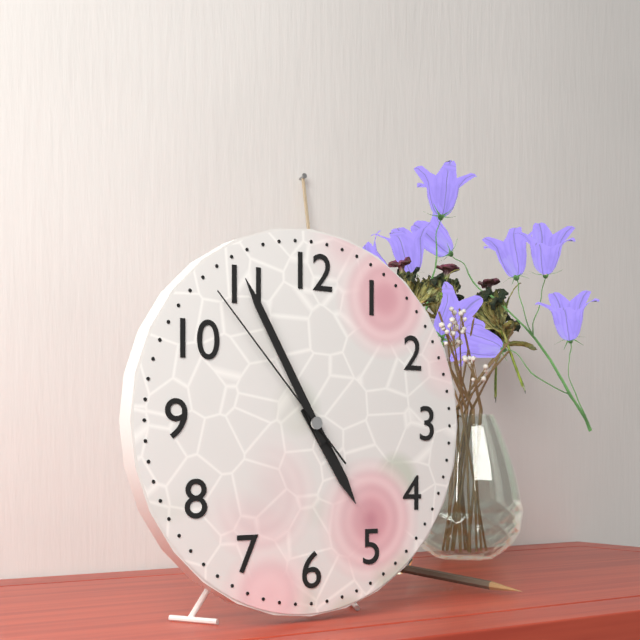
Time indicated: 4h55m53s
